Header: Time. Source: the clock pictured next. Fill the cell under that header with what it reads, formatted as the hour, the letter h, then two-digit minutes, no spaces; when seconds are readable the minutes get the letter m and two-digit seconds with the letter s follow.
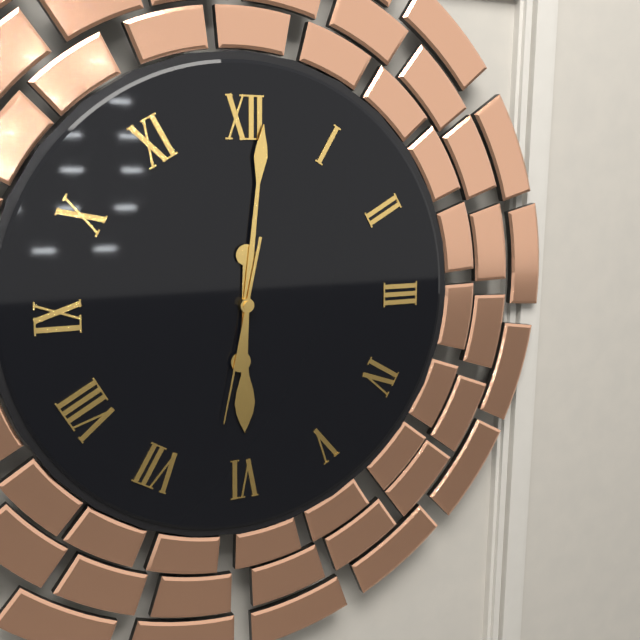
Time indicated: 6h01m32s
